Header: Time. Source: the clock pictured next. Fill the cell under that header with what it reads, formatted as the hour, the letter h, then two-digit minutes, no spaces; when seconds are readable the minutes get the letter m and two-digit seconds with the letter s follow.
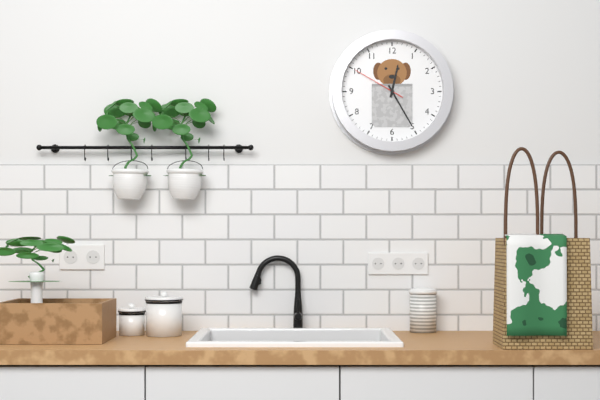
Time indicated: 12h25m50s
